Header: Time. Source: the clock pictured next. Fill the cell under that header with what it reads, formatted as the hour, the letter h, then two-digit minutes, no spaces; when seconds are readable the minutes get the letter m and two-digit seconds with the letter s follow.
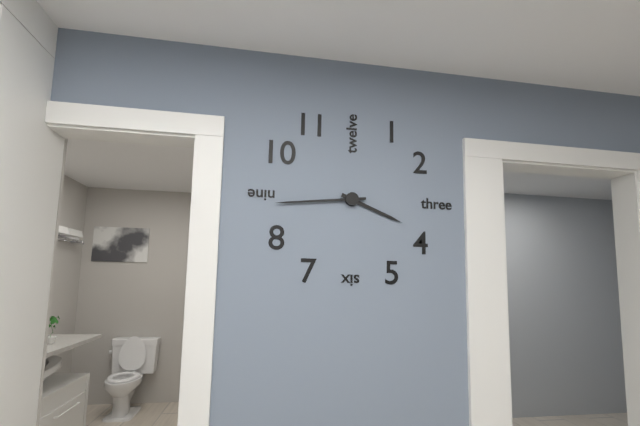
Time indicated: 3h44
